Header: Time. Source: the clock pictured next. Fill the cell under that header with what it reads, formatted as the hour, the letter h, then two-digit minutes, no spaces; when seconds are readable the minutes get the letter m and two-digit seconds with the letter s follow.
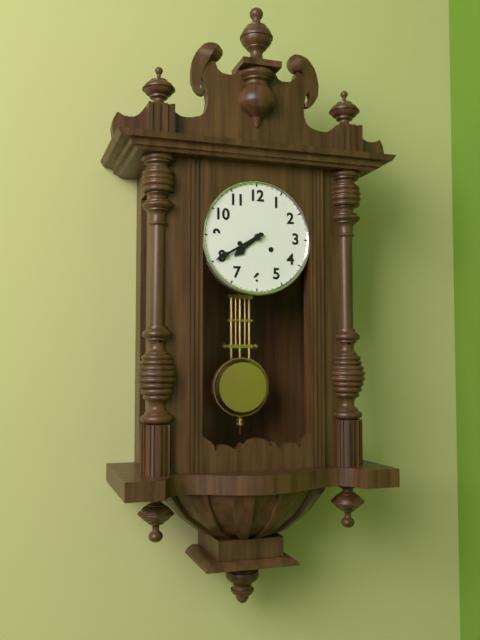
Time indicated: 7h40
